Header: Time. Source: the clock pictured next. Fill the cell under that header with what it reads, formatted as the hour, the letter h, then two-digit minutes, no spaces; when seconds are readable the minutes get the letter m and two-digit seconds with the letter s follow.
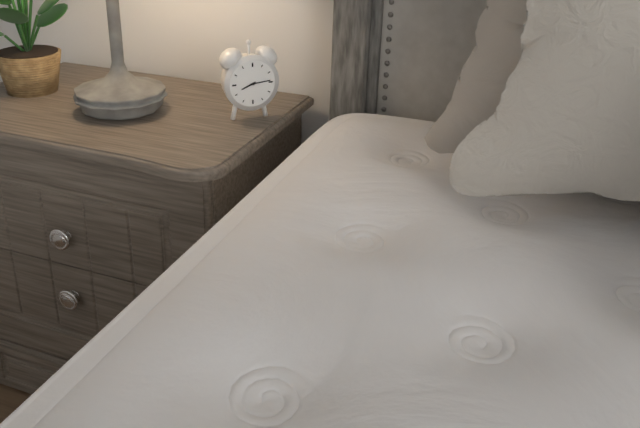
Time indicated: 8h14
